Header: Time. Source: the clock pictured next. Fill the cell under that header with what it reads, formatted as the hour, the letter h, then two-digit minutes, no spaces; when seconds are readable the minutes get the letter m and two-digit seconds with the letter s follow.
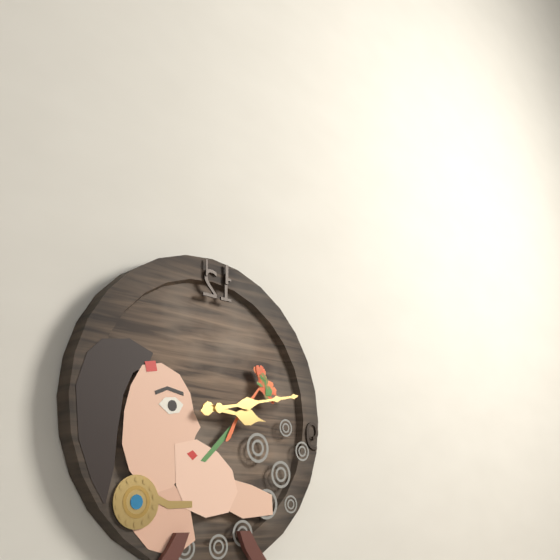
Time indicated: 3h13
